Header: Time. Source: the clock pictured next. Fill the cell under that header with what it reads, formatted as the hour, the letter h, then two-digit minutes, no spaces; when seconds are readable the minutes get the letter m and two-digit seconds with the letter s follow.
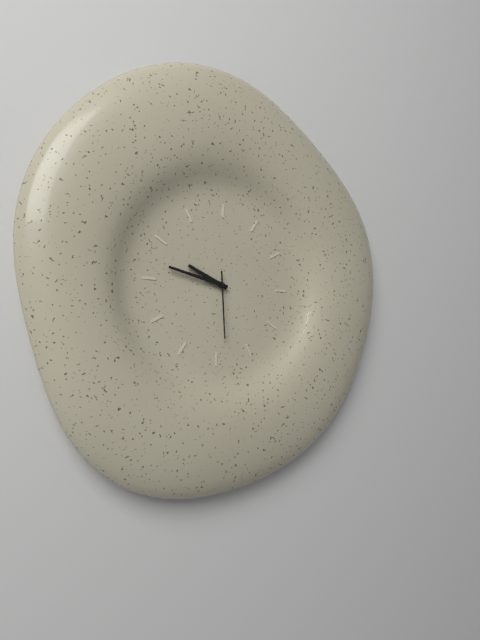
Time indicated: 9h47m29s
